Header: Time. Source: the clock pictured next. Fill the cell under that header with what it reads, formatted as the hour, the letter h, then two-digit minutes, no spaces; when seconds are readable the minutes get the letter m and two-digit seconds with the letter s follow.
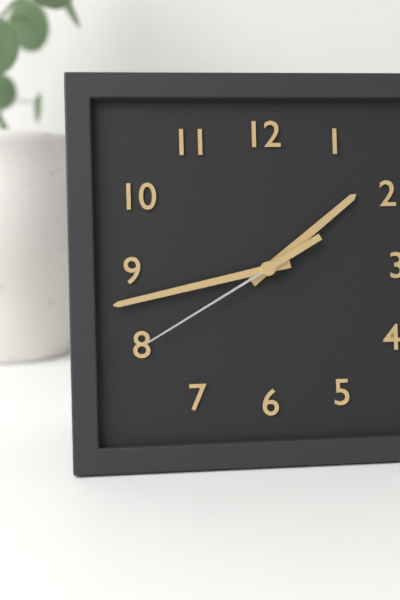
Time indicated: 1h43m40s
